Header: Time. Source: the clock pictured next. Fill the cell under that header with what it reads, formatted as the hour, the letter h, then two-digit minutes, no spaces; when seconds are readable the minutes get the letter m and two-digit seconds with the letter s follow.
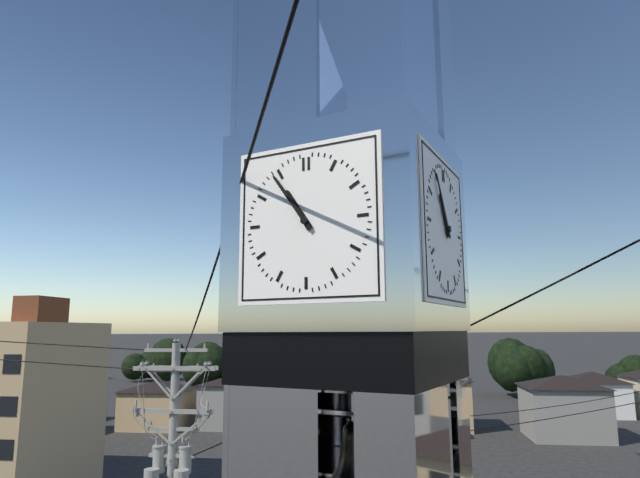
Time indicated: 10h54
